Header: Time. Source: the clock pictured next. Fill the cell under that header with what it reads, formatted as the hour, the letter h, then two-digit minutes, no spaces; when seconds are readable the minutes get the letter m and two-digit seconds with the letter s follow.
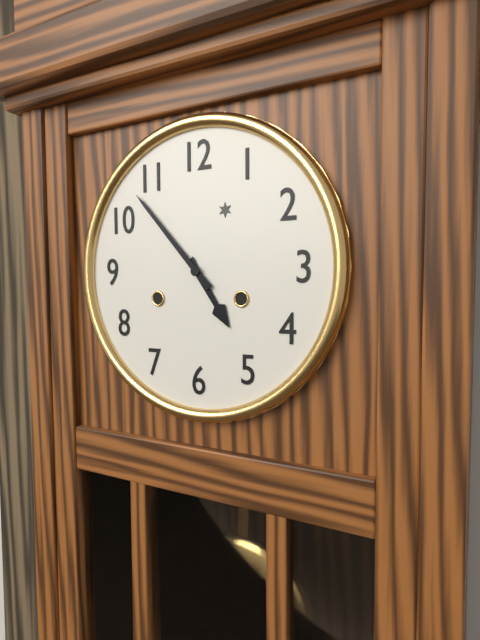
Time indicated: 4h53
